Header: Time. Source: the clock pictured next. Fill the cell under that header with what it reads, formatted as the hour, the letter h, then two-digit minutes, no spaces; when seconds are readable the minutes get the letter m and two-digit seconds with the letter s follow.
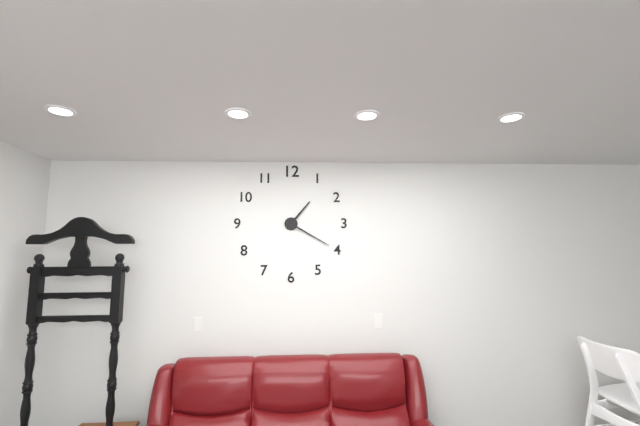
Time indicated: 1h20
